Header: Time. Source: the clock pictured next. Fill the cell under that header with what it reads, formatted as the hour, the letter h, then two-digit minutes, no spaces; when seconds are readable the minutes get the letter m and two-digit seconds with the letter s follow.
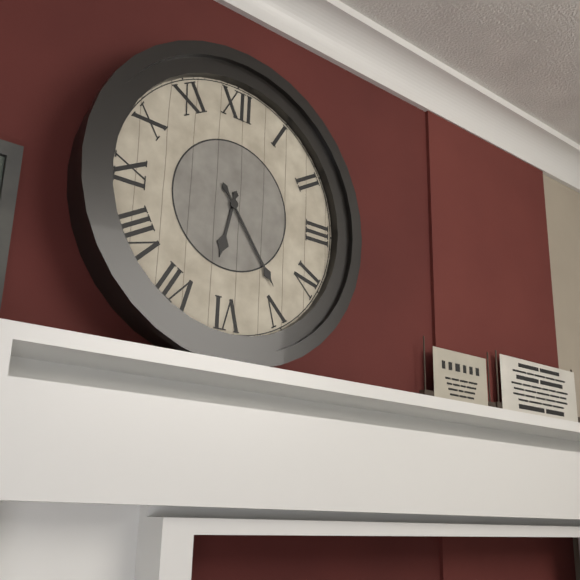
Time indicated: 6h24
